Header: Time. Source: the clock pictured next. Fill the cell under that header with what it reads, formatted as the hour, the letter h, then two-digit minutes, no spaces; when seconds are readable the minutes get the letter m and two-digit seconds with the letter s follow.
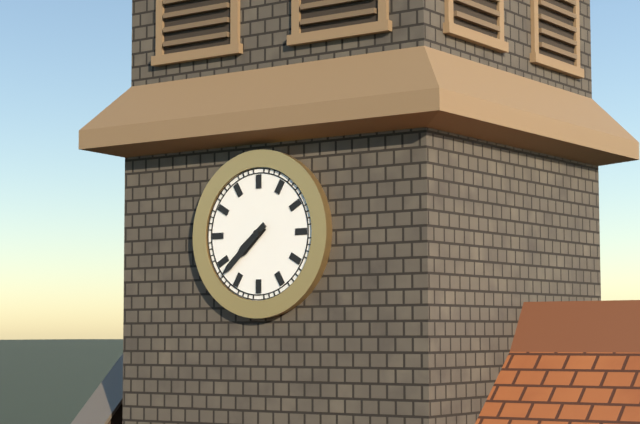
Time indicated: 7h38
